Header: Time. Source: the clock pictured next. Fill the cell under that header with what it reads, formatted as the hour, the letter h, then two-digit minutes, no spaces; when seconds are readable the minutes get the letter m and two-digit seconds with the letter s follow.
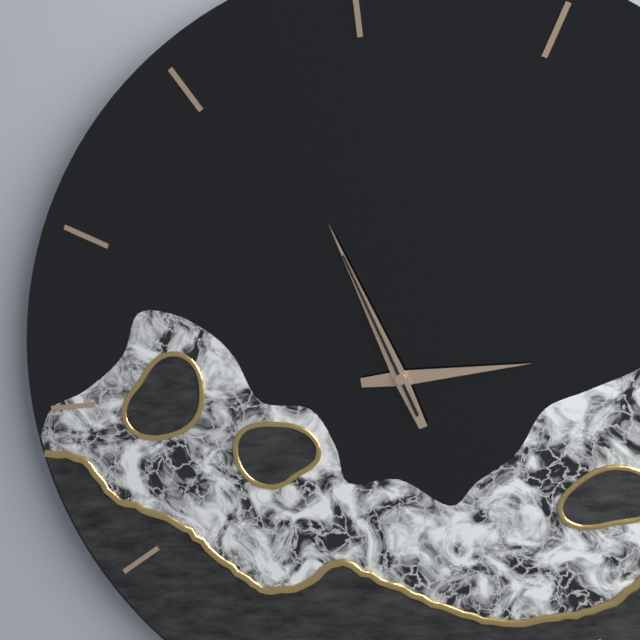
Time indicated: 2h57m57s
